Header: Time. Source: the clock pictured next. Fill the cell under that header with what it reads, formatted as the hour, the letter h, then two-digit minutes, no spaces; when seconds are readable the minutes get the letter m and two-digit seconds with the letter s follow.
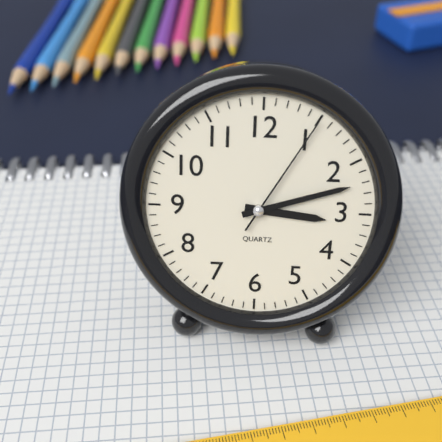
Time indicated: 3h12m05s
